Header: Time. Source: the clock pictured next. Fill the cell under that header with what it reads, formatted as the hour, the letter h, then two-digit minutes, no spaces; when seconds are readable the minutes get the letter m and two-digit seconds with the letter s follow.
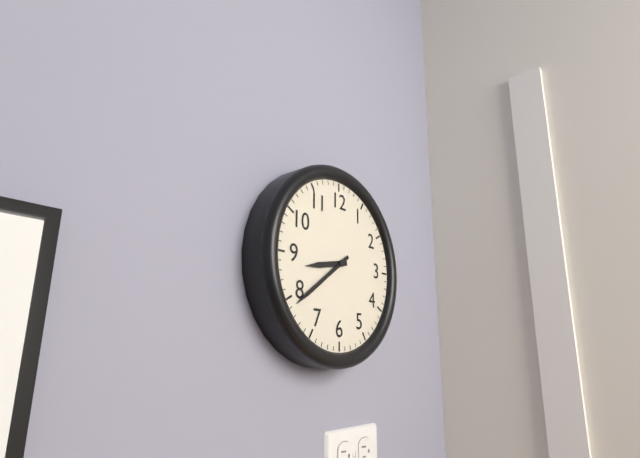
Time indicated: 8h39
